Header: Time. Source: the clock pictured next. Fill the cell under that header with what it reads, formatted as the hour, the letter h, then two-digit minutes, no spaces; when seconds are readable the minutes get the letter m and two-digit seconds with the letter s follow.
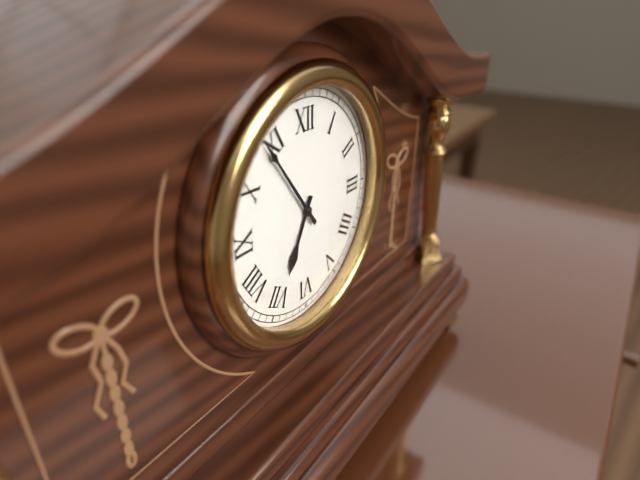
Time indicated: 6h54
